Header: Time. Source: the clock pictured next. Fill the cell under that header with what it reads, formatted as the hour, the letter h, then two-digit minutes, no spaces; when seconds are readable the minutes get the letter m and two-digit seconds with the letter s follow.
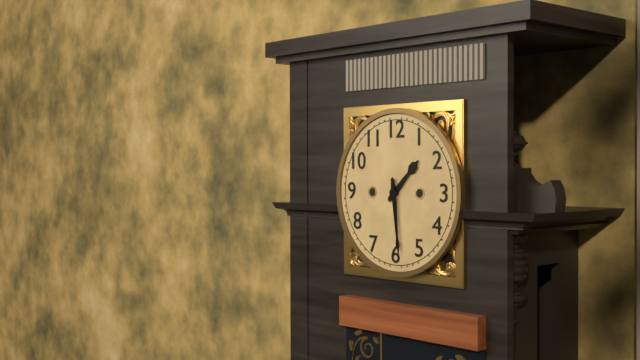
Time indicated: 1h29
